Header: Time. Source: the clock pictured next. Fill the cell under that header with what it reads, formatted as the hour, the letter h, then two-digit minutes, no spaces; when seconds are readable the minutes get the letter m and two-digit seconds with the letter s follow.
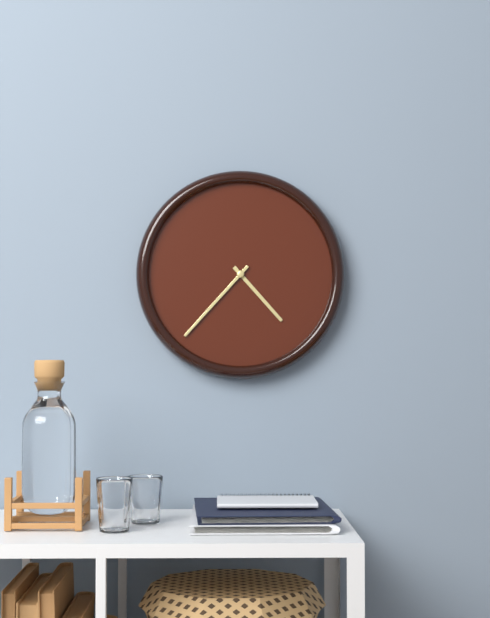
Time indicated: 4h37
